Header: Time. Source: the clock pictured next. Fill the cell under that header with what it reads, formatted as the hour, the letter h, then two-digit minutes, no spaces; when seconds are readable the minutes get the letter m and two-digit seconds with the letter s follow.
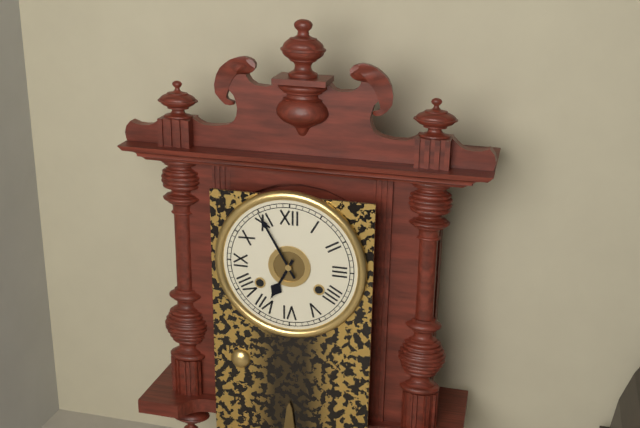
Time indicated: 6h55
